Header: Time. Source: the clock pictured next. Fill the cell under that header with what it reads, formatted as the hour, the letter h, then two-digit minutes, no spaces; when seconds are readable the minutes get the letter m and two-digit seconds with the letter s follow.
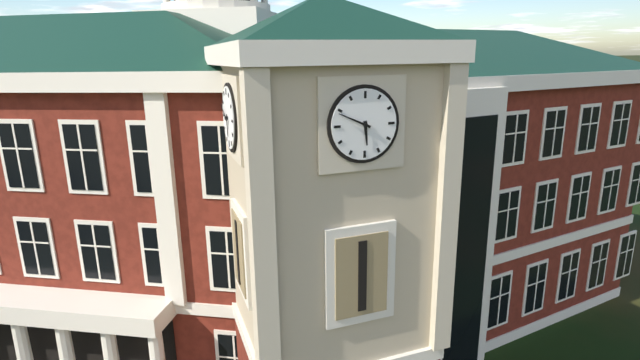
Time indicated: 5h49
